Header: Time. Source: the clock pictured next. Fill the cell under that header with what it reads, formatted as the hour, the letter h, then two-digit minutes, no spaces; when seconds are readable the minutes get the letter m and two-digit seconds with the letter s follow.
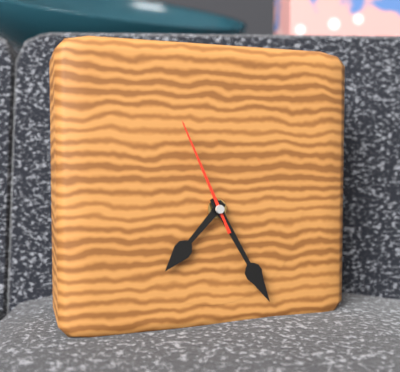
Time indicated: 7h25m56s
